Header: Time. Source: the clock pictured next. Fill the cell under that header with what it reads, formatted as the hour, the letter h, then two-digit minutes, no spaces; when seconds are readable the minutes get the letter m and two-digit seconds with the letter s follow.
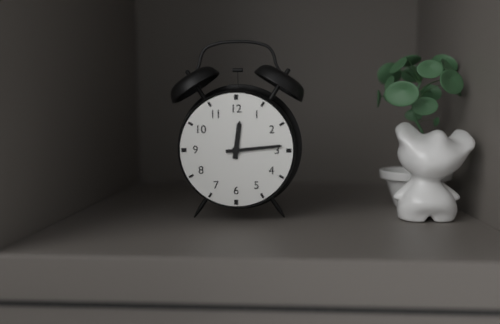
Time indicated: 12h14
